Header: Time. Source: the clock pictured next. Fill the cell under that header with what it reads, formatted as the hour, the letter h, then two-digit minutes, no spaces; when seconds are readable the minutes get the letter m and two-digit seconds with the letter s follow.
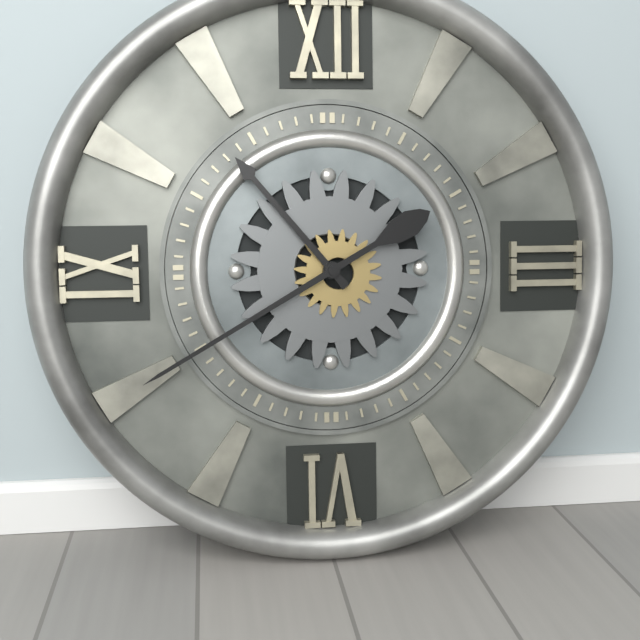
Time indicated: 10h40
